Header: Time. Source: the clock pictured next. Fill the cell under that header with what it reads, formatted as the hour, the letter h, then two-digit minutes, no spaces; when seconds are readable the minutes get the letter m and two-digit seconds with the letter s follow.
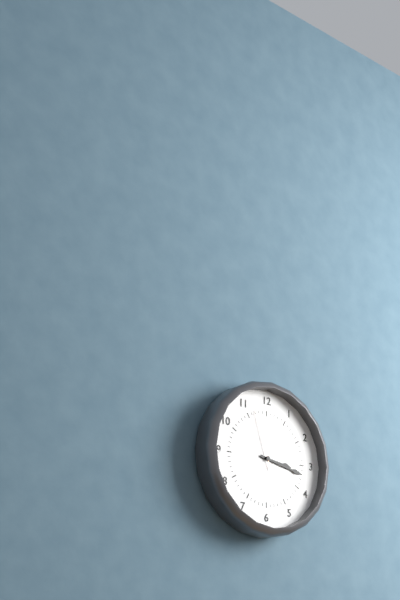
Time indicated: 3h17m57s
